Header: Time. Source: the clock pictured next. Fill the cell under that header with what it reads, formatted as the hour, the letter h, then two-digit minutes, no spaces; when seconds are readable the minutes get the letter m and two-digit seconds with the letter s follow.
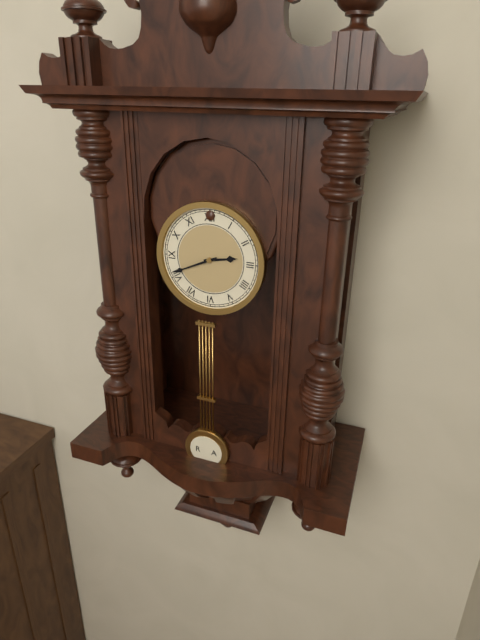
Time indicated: 2h41
